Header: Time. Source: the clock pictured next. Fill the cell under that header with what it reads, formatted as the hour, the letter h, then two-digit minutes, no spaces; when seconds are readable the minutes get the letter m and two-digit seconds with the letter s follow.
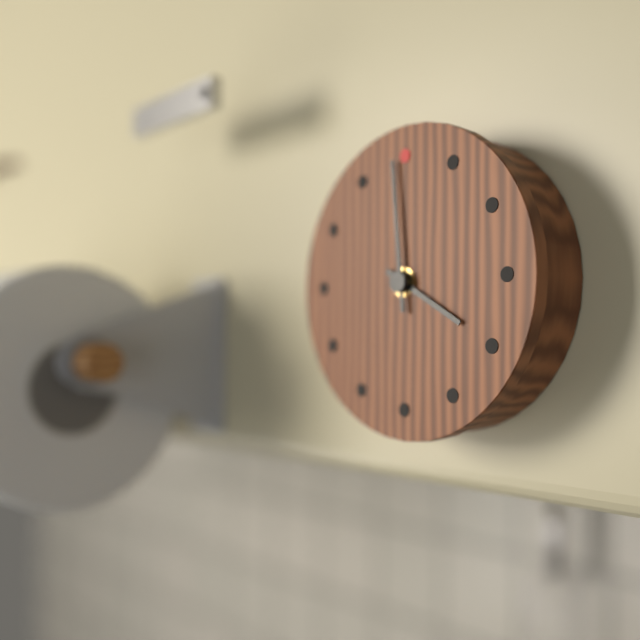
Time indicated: 3h59
